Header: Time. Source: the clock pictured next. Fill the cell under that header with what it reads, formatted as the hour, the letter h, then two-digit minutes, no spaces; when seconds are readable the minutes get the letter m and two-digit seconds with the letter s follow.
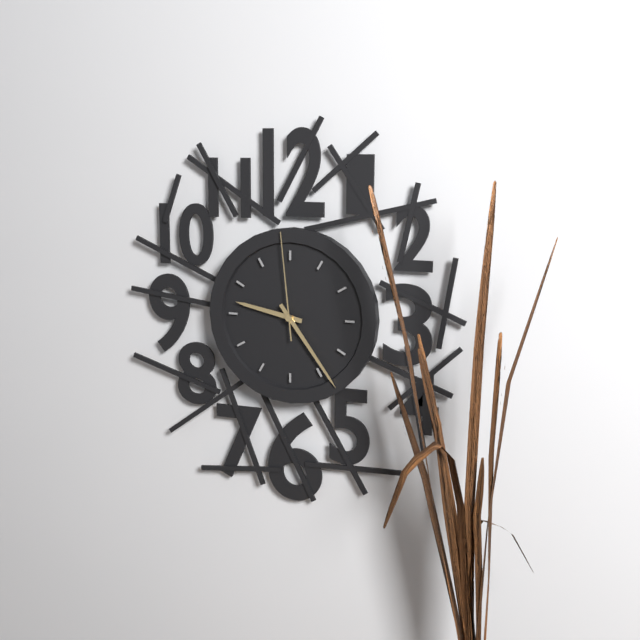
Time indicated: 9h24m59s
